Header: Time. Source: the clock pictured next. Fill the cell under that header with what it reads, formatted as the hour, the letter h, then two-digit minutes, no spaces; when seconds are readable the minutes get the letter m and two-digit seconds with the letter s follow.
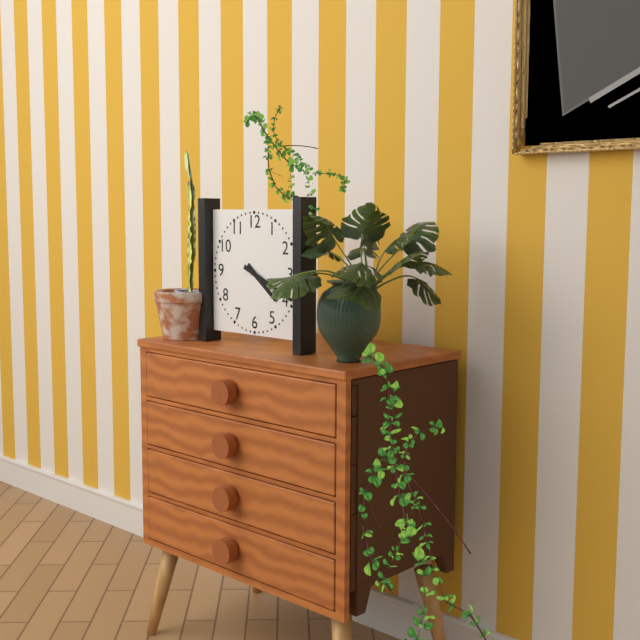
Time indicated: 4h19
